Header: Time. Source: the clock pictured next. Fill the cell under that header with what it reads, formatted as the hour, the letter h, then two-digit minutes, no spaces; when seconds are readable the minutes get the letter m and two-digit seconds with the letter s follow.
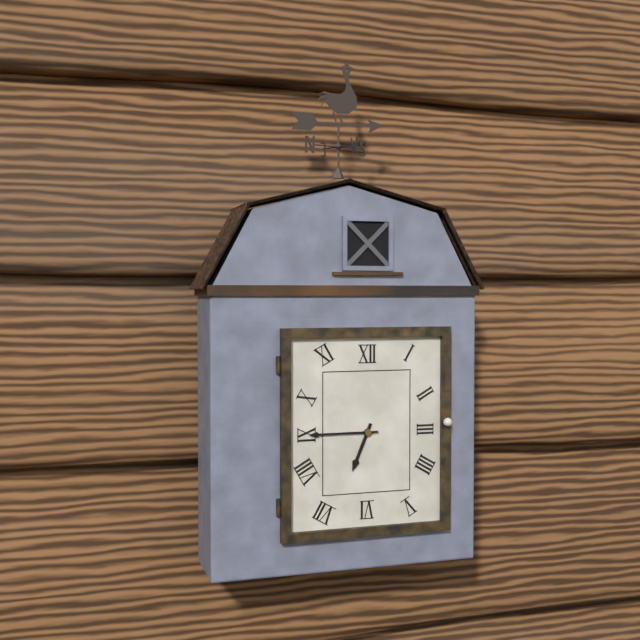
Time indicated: 6h45
